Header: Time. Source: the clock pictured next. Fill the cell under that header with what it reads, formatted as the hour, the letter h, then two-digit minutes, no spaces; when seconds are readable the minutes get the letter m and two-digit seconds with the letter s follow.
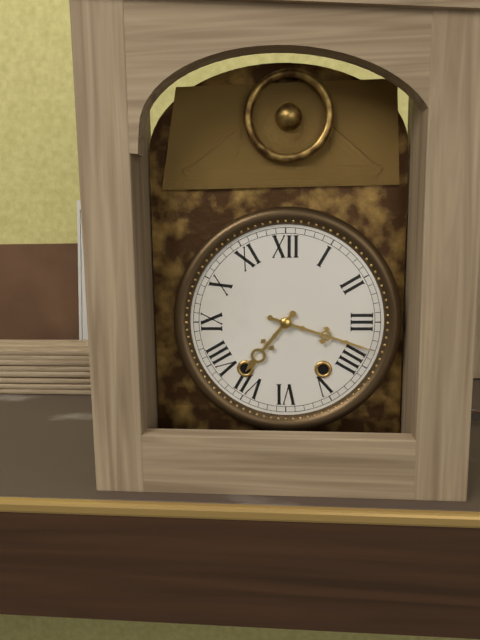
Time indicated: 7h18
